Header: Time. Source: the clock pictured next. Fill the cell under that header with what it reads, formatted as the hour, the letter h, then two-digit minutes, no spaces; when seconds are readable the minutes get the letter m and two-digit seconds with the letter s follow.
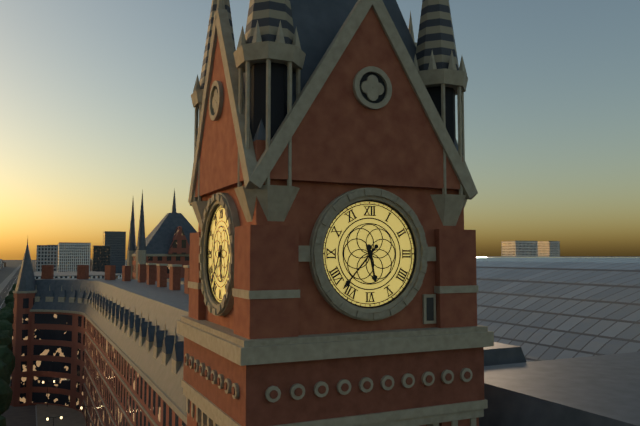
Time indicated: 5h37
